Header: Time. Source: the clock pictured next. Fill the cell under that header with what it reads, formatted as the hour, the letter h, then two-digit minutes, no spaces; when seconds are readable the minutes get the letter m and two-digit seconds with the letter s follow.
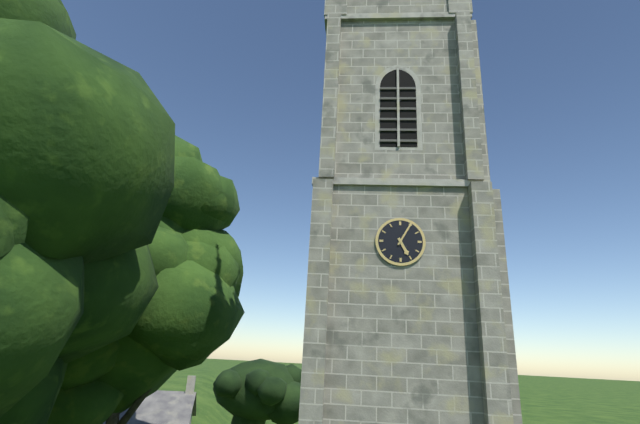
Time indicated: 5h05
